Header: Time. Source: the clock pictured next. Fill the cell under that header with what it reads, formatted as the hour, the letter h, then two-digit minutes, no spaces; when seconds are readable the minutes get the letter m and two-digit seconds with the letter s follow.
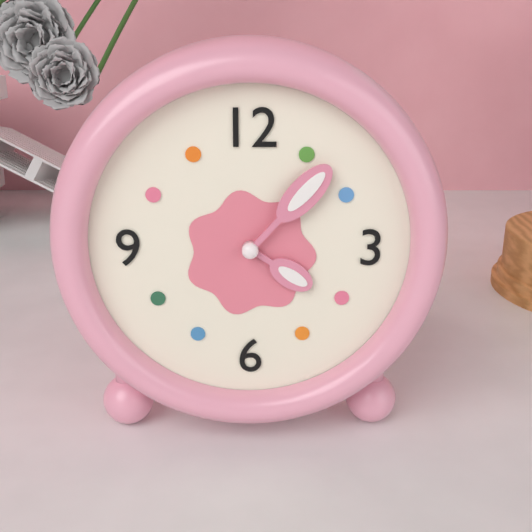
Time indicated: 4h07
